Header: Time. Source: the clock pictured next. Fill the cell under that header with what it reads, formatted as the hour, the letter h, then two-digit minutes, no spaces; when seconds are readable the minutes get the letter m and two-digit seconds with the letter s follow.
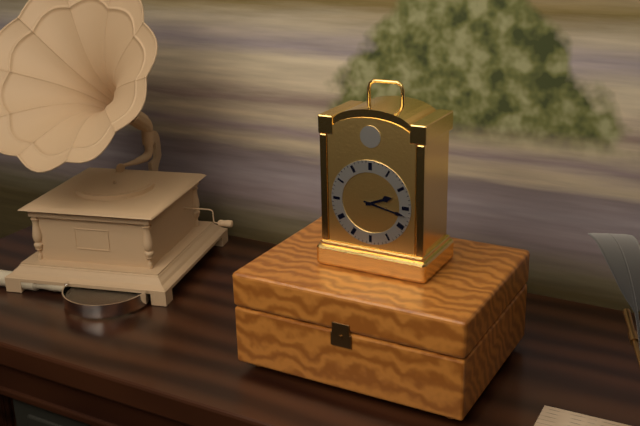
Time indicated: 2h17
